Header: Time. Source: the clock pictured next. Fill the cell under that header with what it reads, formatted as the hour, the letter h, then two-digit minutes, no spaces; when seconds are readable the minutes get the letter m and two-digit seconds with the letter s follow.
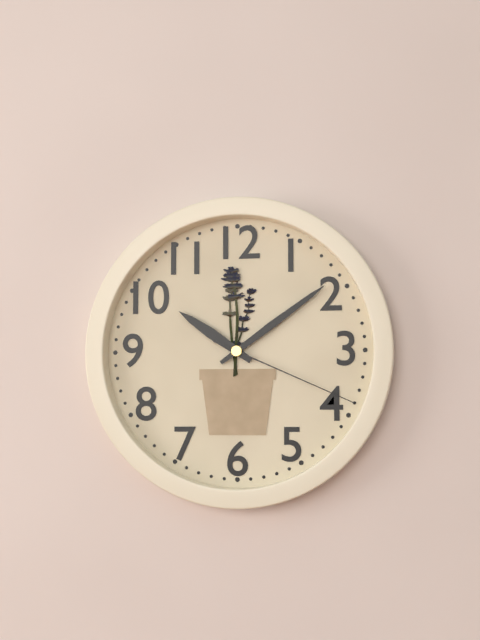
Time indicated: 10h09m19s
